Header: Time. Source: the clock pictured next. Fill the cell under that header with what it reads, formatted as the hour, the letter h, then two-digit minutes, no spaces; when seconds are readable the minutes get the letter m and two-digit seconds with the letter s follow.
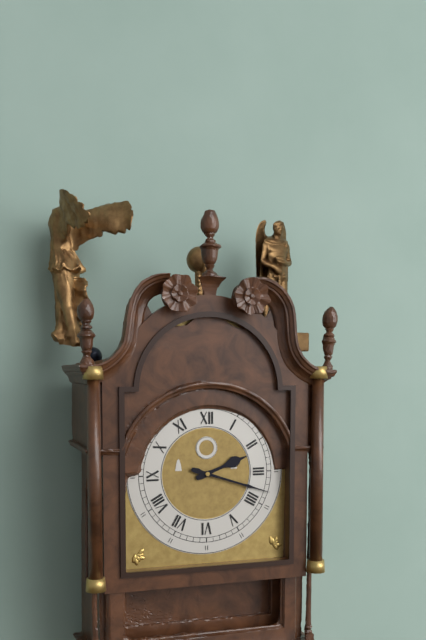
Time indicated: 2h18
